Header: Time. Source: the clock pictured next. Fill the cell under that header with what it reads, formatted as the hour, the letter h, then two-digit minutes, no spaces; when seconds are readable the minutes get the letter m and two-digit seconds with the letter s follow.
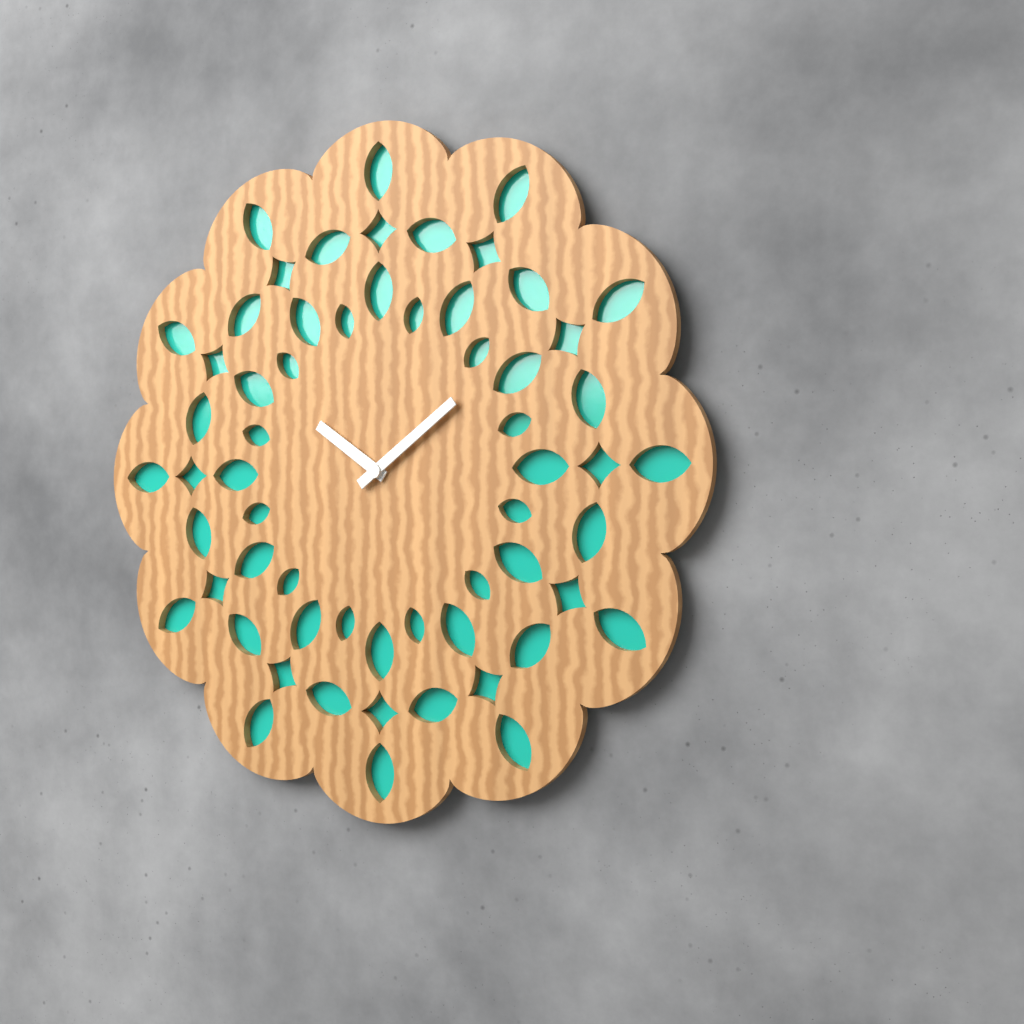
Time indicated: 10h09
